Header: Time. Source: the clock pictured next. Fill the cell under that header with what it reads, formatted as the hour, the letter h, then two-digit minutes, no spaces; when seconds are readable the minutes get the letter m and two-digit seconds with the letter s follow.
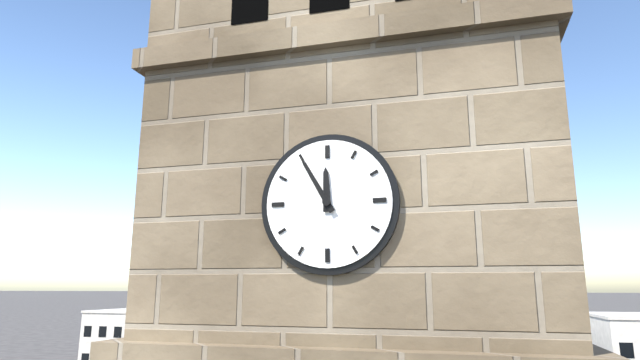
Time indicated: 11h55
